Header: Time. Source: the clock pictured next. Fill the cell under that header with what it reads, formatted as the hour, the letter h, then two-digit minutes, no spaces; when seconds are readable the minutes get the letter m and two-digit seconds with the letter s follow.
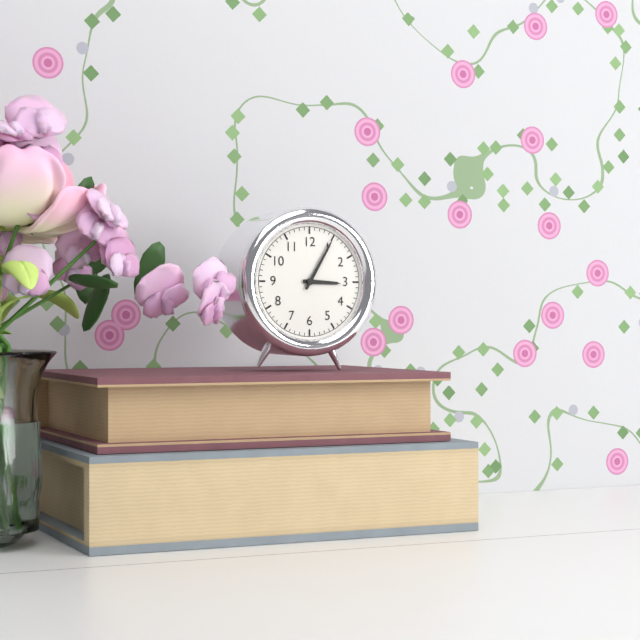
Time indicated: 3h05
